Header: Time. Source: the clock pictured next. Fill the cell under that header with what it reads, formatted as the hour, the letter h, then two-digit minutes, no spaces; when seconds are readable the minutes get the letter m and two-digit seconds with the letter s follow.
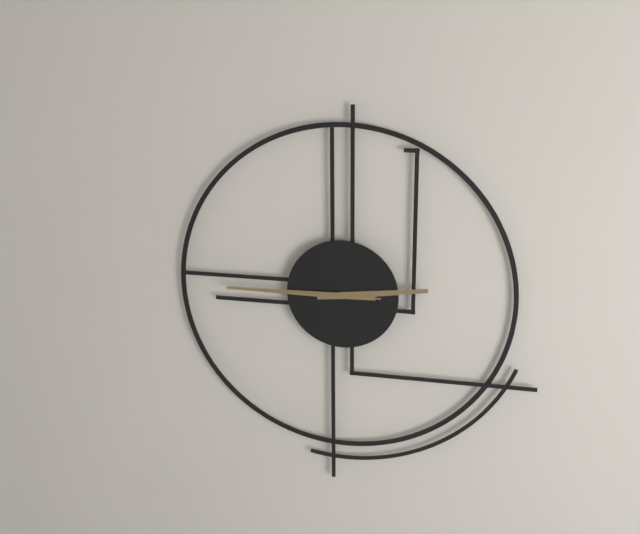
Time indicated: 2h45m45s
